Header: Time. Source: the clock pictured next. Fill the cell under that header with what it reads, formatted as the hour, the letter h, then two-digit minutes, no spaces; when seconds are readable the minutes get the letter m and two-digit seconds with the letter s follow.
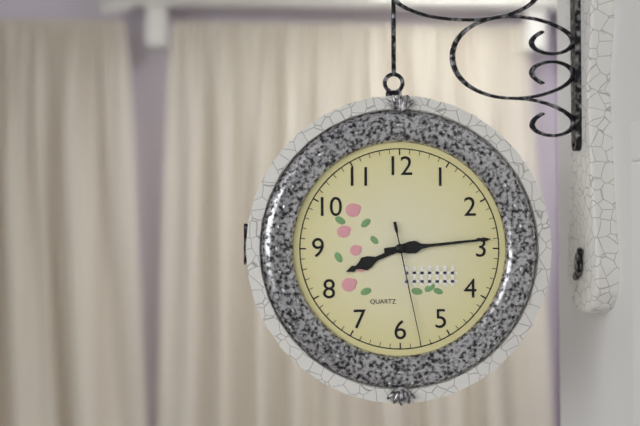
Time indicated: 8h14m28s
